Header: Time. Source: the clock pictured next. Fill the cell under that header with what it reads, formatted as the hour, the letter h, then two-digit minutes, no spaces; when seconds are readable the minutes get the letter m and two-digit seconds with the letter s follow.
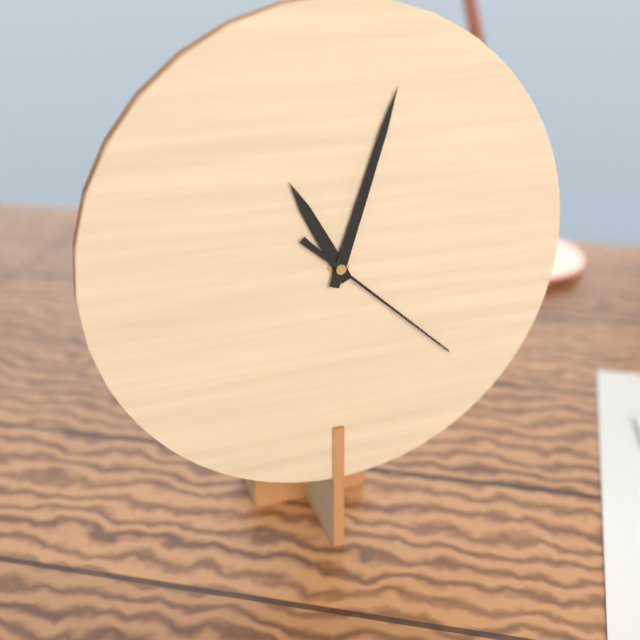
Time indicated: 11h03m22s
